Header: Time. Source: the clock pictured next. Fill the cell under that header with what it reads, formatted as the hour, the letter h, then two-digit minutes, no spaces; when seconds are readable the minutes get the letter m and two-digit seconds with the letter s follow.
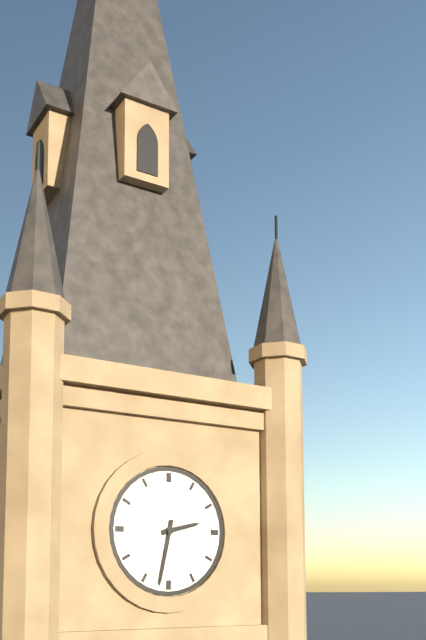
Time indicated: 2h32
